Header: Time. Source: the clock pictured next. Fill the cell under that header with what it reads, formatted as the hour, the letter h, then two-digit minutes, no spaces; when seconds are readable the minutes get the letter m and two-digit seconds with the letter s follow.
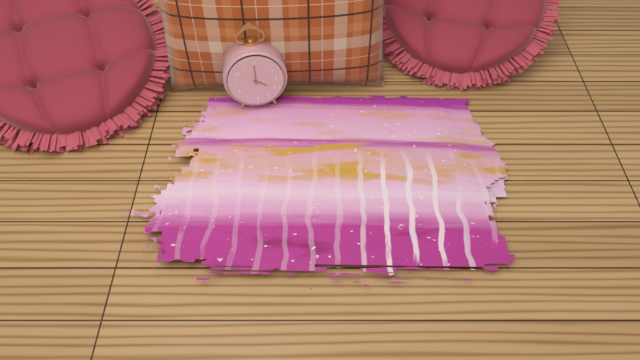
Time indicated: 4h00
